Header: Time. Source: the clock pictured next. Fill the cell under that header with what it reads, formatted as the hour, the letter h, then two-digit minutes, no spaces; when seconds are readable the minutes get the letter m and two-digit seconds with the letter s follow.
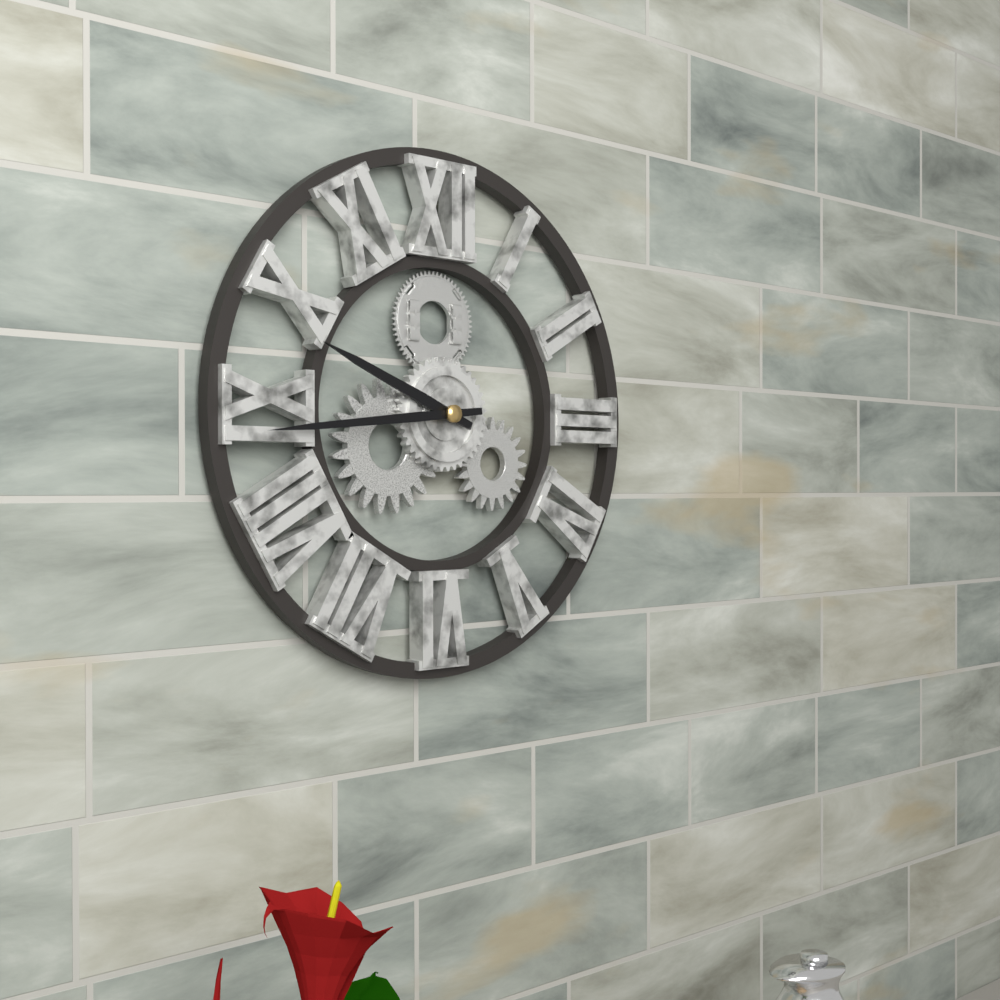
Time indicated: 9h44
